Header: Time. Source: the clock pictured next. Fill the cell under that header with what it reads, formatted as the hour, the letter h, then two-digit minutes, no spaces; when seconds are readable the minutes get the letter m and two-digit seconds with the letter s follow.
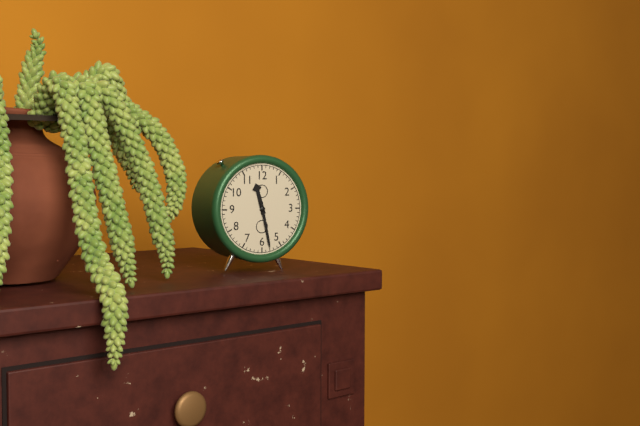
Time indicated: 11h28
